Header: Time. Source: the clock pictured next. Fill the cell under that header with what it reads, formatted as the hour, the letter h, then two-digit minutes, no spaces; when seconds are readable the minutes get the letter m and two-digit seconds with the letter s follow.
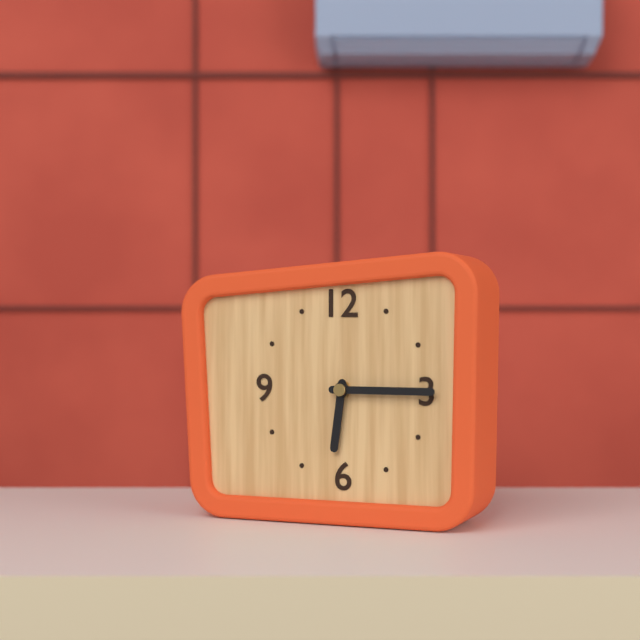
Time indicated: 6h15
